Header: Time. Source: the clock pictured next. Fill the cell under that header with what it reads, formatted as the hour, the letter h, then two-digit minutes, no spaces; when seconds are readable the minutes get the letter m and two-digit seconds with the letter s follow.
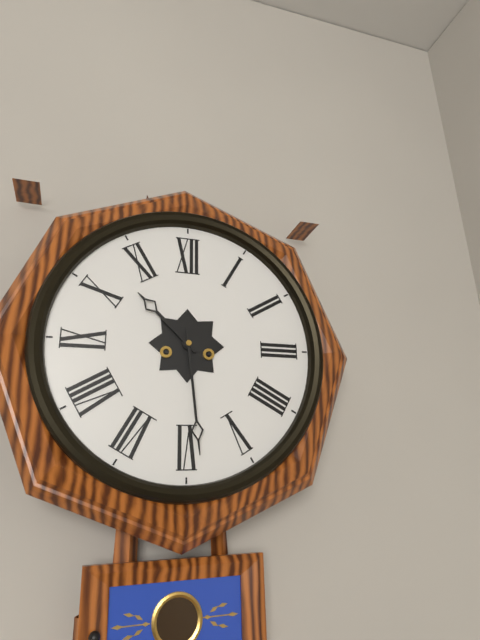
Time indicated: 10h29
